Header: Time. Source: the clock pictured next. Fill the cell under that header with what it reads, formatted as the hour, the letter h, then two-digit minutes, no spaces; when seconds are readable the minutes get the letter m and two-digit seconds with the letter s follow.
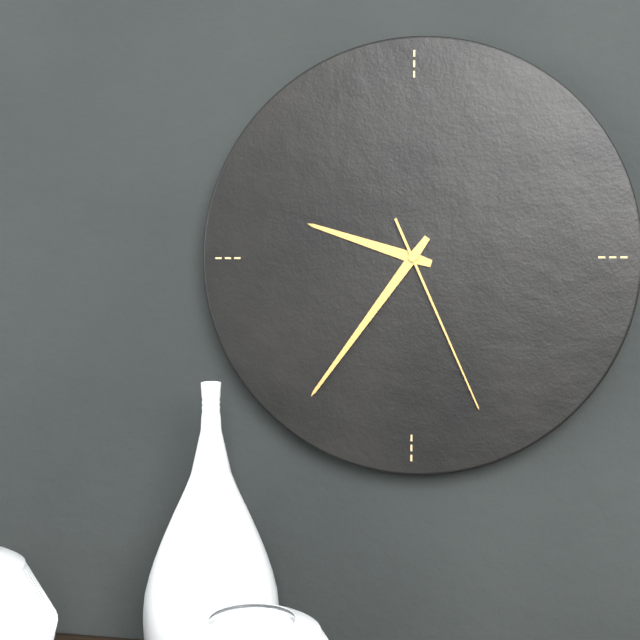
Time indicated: 9h36m26s
